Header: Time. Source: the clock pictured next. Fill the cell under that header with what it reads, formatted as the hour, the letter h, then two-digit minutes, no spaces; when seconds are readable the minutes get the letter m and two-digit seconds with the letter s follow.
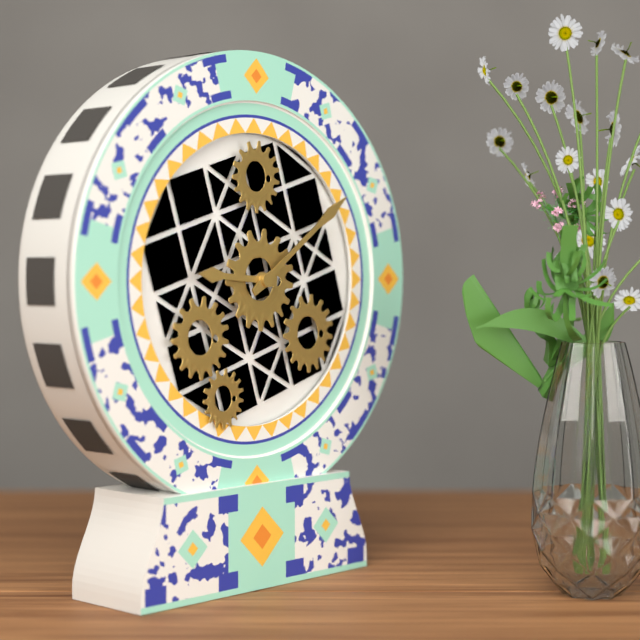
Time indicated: 9h09
